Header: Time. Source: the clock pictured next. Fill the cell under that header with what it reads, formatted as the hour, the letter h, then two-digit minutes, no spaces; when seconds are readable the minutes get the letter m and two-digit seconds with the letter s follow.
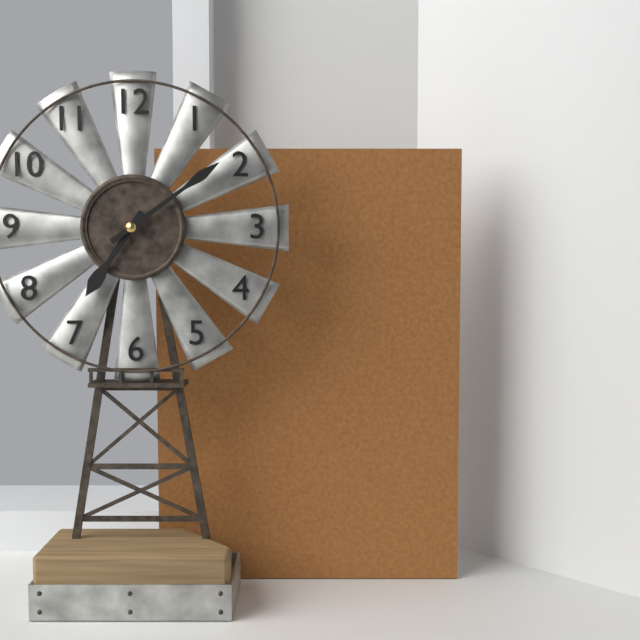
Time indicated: 7h09
